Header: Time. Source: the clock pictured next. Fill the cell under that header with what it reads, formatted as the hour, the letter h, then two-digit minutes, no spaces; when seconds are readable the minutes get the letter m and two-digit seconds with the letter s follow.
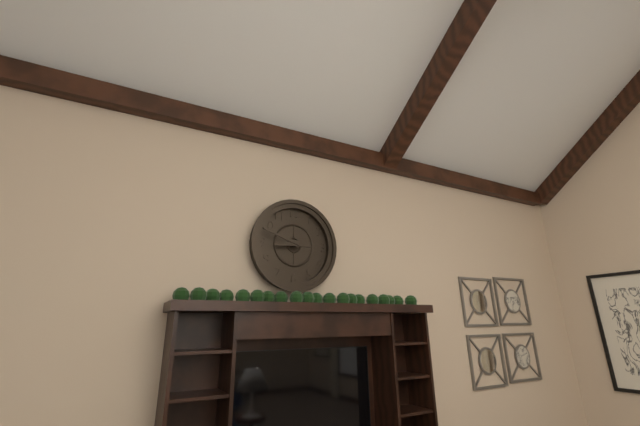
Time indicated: 8h48
